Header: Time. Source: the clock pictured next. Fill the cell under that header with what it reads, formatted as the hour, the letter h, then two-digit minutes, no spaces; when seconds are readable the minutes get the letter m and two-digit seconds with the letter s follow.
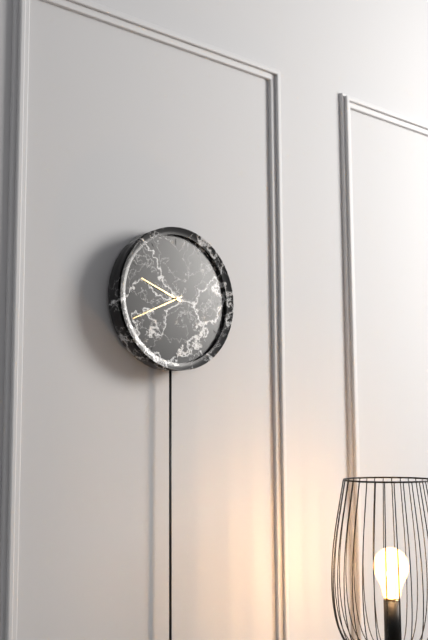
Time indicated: 9h41
